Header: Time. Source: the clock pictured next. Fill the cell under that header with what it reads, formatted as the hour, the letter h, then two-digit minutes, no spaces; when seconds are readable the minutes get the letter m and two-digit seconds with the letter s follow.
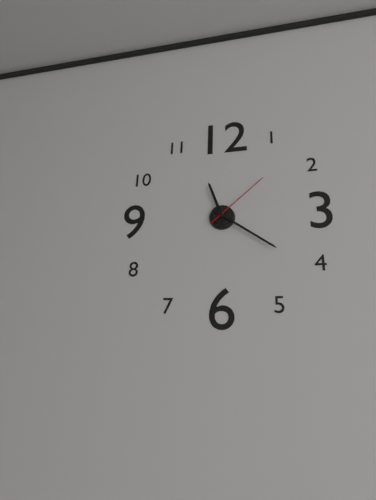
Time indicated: 11h21m08s
